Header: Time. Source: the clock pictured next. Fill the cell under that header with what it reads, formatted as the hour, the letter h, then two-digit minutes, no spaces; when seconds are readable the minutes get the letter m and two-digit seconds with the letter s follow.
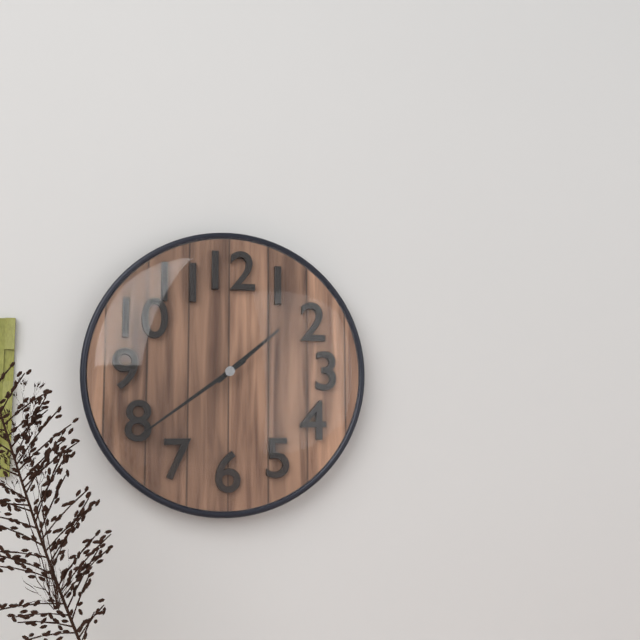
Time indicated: 1h39
